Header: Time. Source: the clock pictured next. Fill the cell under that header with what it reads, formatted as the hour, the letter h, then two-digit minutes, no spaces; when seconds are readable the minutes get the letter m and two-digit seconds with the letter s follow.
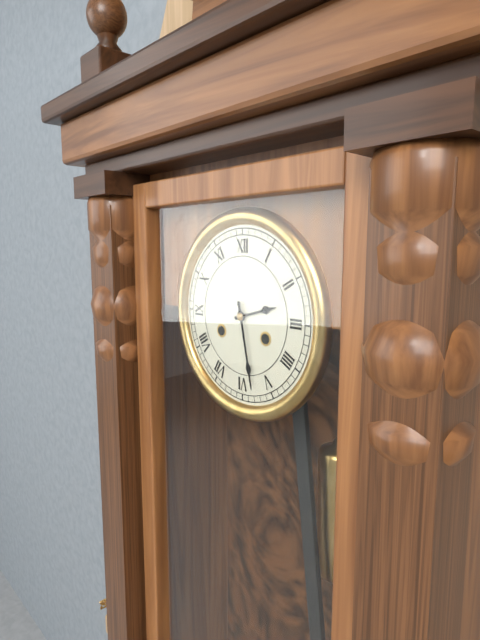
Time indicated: 2h28
